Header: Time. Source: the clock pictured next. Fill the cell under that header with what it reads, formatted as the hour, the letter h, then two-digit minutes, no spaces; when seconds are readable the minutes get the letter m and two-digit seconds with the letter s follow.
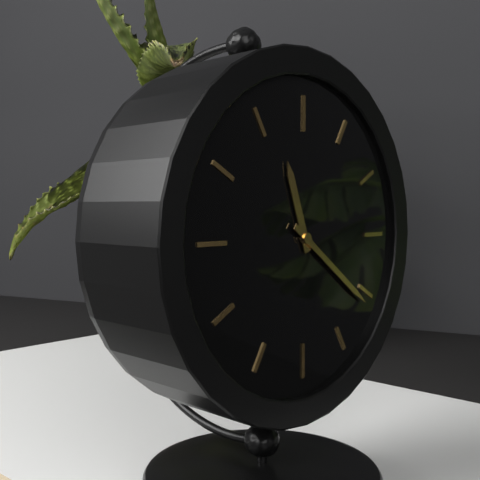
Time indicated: 11h21
